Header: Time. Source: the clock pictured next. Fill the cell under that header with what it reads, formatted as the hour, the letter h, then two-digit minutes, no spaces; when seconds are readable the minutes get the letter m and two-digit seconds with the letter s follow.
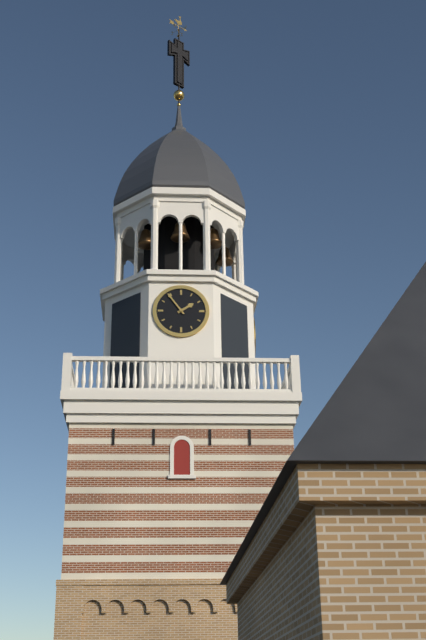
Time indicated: 1h54
